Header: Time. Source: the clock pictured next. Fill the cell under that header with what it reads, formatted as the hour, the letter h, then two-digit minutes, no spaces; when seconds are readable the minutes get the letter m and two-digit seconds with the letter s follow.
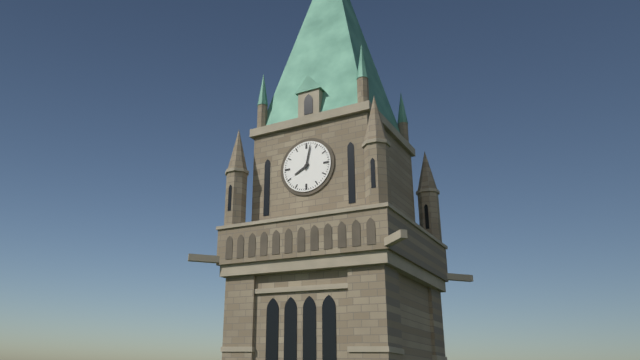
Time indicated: 8h02
